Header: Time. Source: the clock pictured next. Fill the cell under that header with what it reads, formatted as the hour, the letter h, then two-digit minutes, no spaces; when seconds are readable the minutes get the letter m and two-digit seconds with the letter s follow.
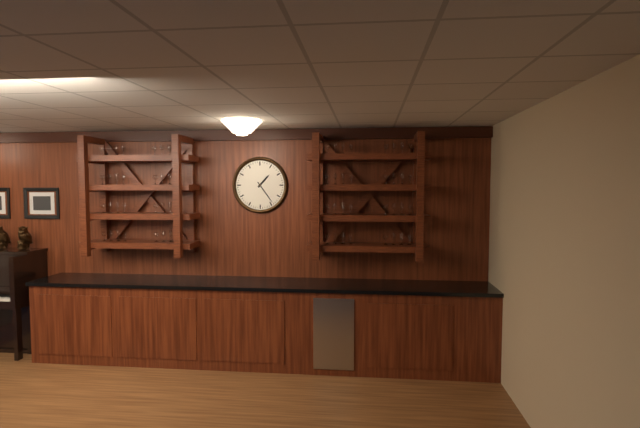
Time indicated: 1h24
